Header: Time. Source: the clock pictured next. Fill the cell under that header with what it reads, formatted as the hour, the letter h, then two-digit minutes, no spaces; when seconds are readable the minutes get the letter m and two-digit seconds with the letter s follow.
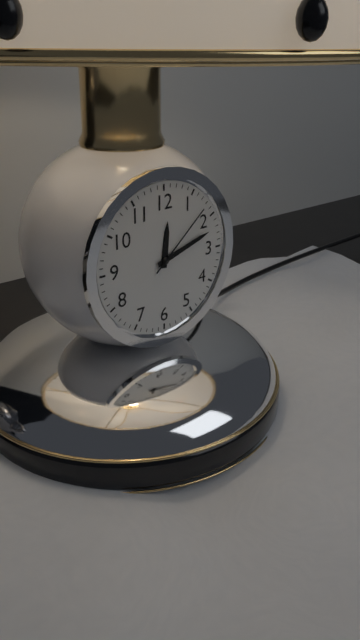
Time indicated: 12h12m08s
